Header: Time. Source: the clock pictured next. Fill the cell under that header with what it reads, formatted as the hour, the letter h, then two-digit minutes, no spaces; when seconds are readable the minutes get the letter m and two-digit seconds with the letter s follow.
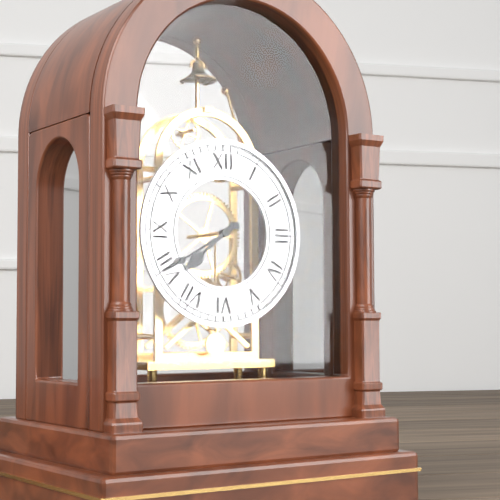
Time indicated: 7h40
